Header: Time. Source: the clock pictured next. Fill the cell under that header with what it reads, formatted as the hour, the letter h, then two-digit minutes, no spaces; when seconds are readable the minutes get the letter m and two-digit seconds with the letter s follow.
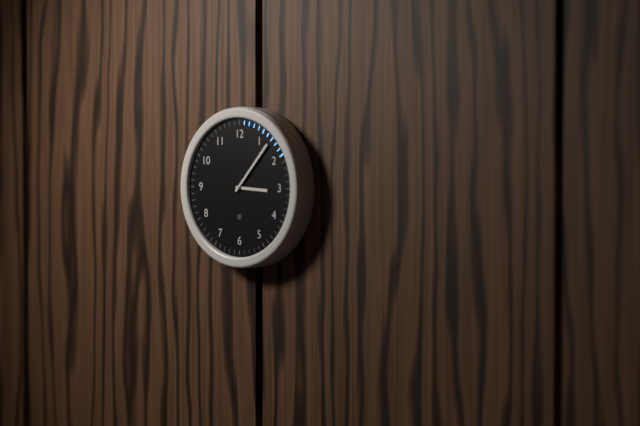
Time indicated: 3h07
